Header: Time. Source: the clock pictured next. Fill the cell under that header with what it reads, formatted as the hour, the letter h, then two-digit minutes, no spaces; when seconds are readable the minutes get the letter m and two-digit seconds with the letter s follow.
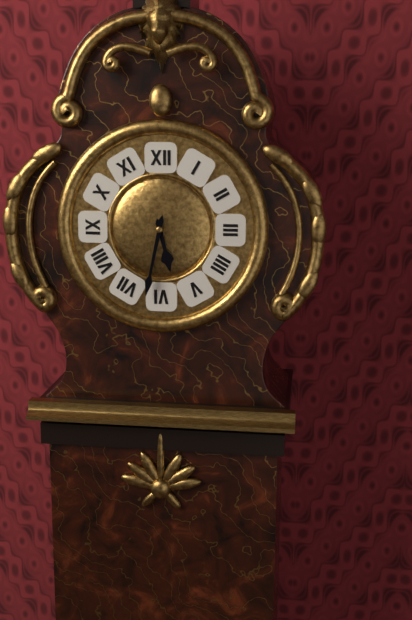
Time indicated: 5h32
